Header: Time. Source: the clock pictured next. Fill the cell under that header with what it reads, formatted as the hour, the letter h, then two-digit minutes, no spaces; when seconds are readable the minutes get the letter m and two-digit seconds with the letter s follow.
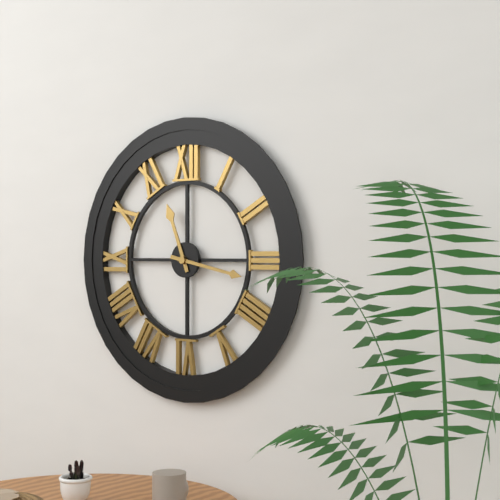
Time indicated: 11h17
